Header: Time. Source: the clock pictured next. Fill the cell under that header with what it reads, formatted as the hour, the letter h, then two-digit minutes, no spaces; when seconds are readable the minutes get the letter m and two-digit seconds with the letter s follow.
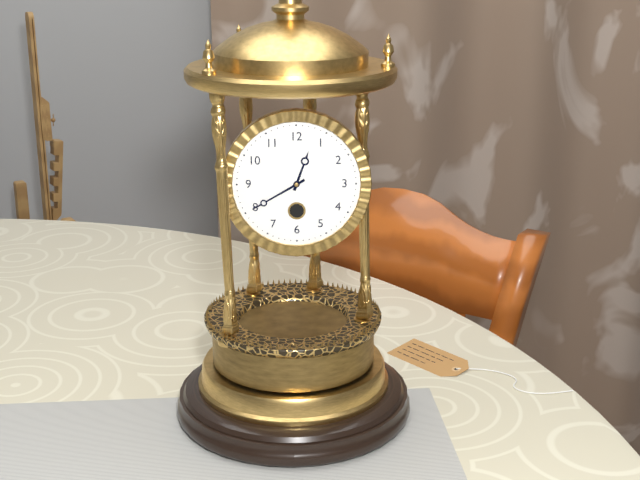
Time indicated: 12h40
